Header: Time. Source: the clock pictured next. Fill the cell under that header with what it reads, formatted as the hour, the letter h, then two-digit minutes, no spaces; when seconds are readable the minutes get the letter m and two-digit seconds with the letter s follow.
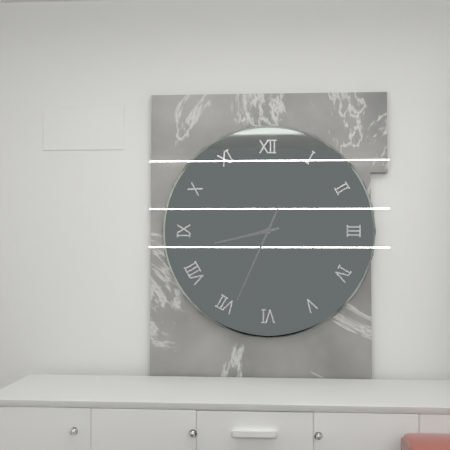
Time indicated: 8h34
